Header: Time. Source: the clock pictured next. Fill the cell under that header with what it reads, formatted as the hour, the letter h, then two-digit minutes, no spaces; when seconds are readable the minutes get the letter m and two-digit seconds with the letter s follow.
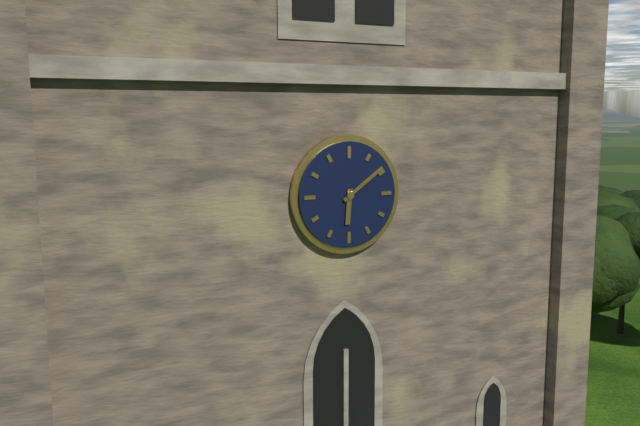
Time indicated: 6h09
